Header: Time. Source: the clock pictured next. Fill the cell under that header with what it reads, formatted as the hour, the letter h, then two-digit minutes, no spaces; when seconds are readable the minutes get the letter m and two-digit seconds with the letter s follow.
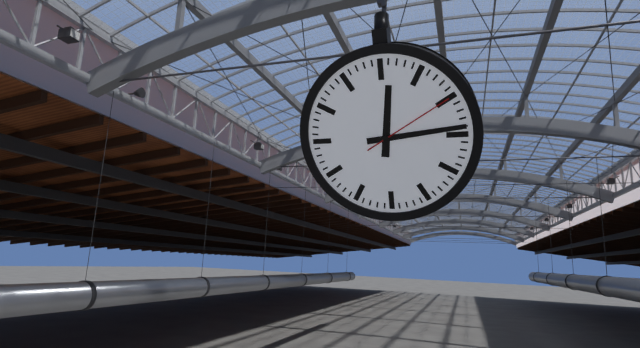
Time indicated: 12h14m10s
